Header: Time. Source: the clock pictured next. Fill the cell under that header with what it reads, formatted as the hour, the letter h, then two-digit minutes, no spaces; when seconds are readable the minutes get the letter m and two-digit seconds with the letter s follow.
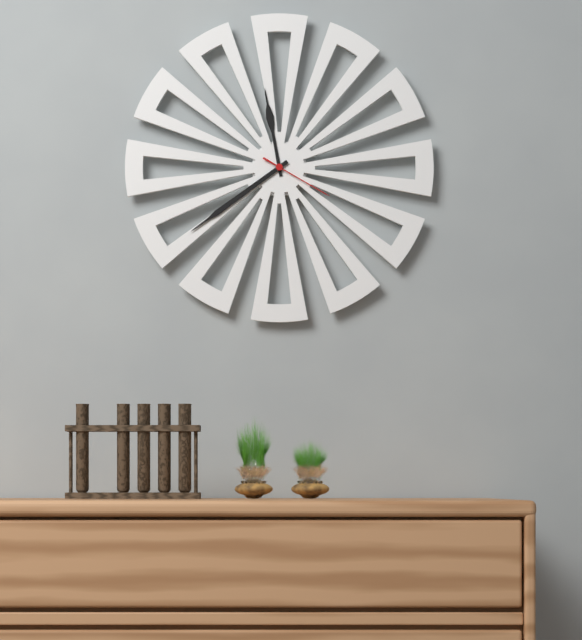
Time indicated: 11h39m20s
